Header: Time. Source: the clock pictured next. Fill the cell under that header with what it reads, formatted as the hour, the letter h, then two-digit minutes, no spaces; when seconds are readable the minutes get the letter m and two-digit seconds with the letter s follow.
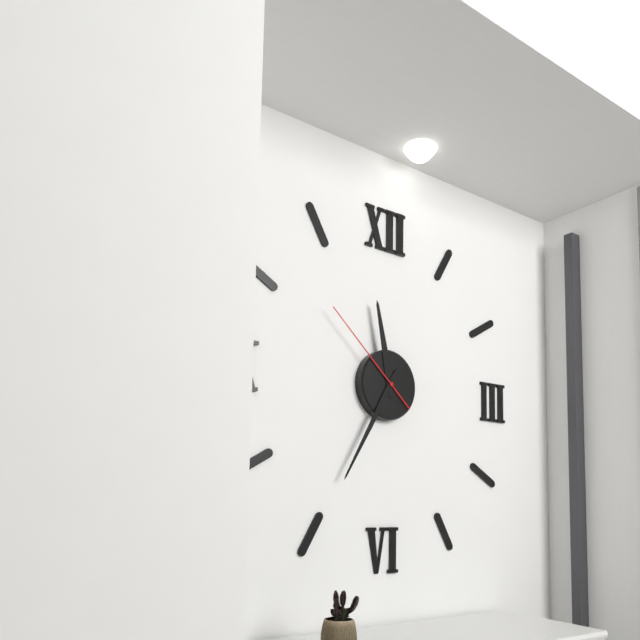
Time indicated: 11h35m52s
